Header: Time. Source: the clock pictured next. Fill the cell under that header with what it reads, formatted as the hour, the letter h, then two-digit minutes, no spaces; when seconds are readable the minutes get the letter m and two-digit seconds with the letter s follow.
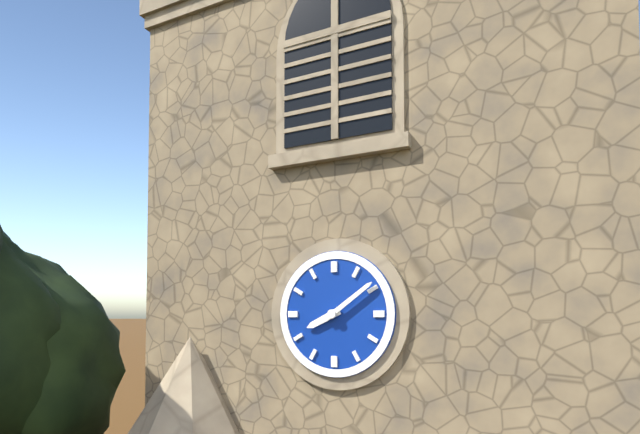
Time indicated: 8h09
